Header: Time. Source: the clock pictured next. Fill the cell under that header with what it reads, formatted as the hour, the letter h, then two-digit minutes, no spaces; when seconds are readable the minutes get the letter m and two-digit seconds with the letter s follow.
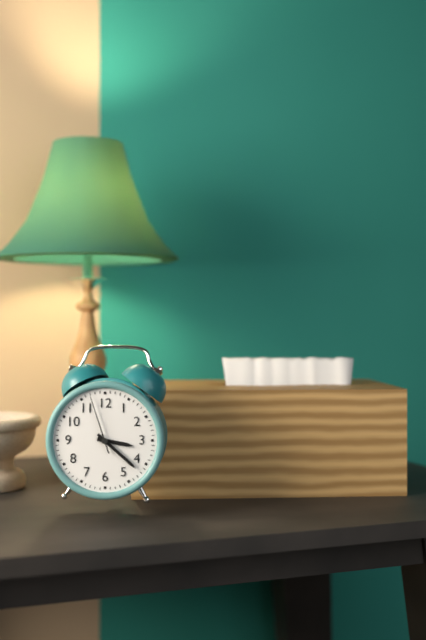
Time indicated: 3h22m57s
